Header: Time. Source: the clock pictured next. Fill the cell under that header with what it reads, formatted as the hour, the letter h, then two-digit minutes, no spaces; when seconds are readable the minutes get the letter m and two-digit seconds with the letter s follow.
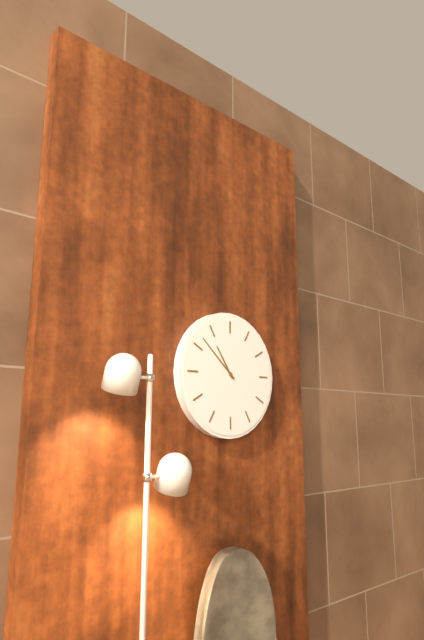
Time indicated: 10h52
